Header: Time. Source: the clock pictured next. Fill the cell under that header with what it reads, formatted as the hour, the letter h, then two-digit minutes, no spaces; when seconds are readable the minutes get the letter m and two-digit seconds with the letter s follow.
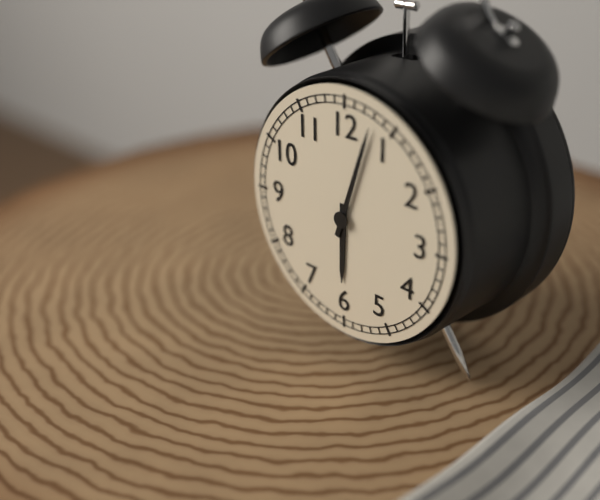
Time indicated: 6h03
